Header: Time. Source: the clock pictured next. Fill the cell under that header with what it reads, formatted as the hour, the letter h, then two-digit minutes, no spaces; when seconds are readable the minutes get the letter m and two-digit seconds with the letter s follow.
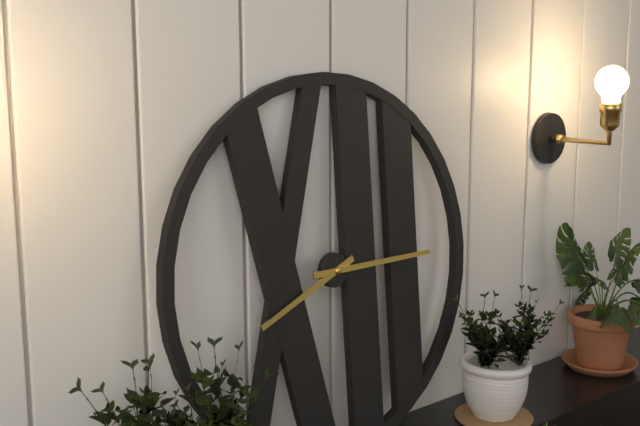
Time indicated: 8h15
